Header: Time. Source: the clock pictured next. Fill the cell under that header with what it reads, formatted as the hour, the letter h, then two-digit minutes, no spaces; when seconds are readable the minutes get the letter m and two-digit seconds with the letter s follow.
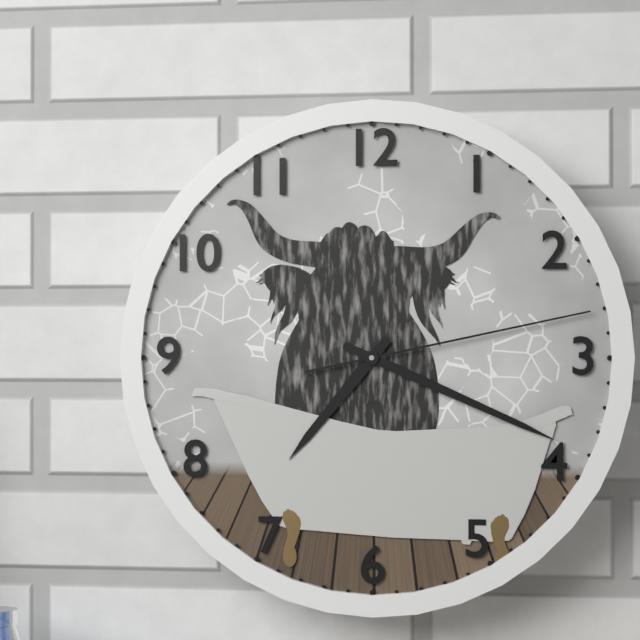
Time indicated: 7h19m13s
